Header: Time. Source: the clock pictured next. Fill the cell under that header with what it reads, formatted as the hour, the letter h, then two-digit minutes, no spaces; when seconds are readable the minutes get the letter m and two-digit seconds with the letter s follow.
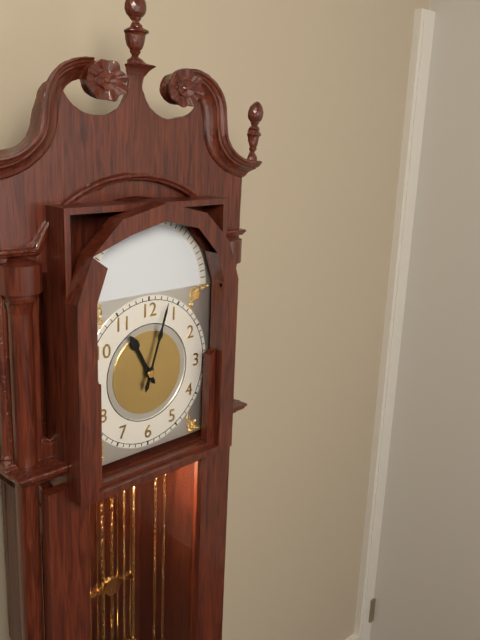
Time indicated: 11h03
